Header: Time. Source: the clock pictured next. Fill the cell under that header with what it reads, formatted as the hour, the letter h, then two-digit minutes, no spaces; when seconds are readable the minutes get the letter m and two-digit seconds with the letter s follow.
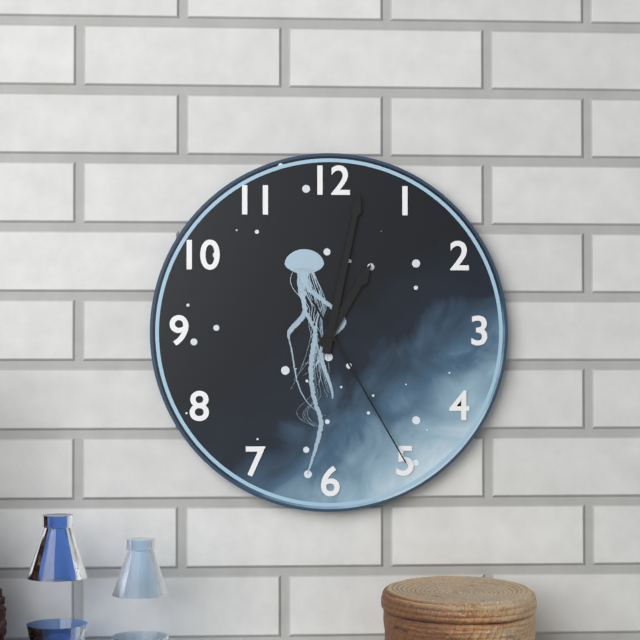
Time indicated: 1h02m25s
